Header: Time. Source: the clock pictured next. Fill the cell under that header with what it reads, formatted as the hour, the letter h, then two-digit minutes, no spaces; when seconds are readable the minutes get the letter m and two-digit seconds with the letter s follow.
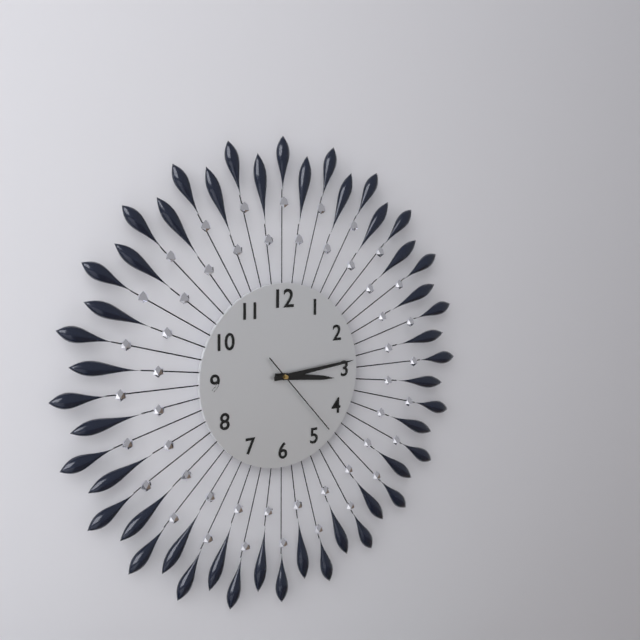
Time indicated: 3h14m23s
